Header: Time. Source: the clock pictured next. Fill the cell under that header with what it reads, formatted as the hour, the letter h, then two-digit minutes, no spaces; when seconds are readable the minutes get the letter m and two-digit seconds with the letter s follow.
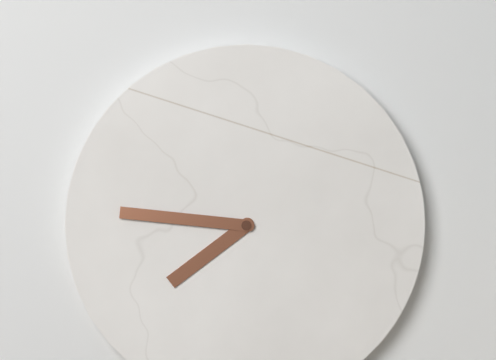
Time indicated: 7h46
